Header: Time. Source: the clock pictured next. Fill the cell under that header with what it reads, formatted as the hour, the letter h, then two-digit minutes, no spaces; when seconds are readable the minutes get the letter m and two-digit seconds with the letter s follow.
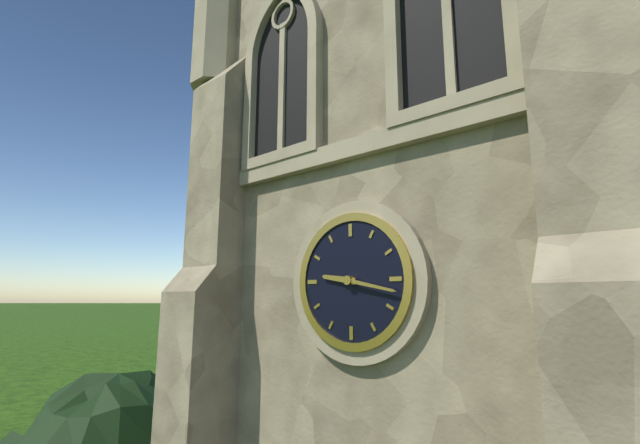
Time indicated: 9h17
